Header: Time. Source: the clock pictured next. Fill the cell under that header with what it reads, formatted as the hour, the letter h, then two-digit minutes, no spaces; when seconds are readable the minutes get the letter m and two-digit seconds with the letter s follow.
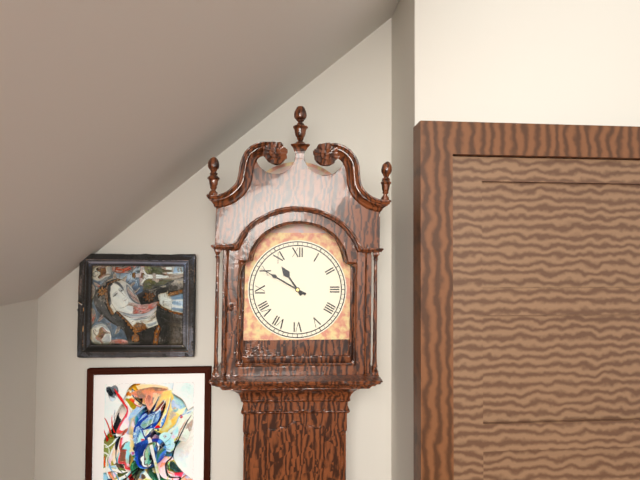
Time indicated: 10h50
